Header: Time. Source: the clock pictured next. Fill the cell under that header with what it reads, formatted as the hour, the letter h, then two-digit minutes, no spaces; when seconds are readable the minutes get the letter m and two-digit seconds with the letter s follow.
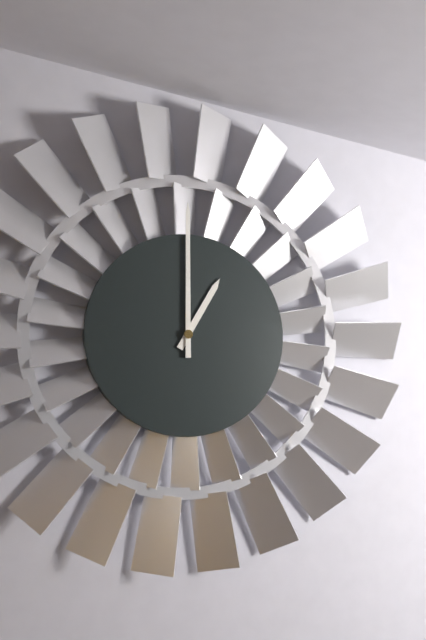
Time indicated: 1h00
